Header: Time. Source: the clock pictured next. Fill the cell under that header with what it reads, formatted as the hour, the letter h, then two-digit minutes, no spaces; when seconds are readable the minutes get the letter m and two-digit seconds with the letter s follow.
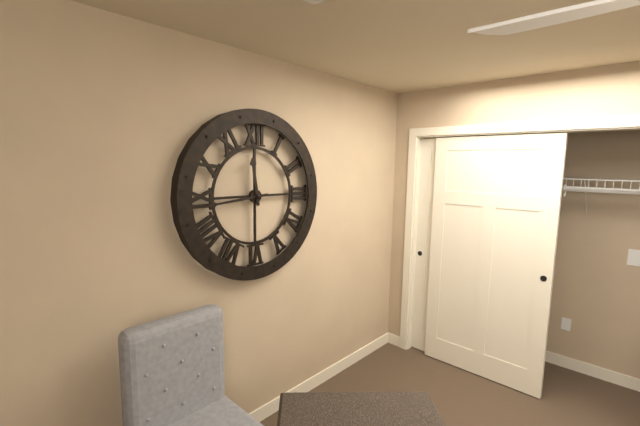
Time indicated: 11h44
